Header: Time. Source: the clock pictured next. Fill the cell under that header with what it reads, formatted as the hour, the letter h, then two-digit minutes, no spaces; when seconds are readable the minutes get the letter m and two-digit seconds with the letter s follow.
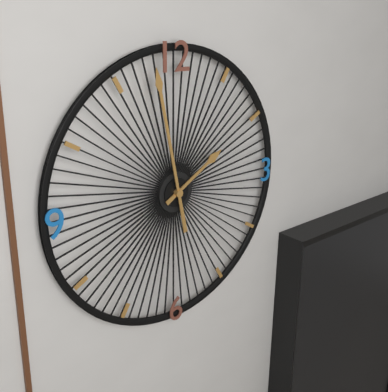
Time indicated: 1h58
